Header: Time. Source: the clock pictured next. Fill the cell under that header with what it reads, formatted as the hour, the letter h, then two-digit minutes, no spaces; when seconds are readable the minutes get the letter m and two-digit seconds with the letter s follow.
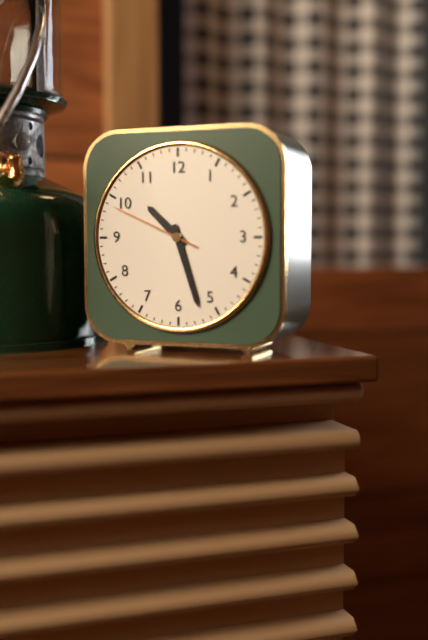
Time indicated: 10h27m49s
